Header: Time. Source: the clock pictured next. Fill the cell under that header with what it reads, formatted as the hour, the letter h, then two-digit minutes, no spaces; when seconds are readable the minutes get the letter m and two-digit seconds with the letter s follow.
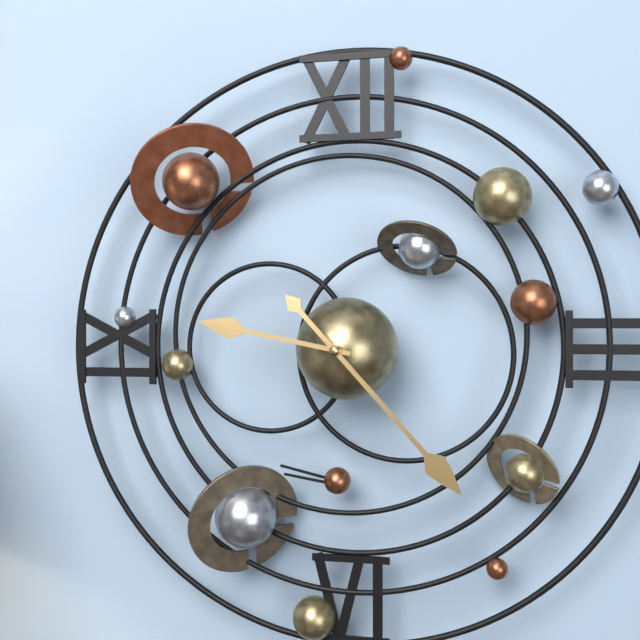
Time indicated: 9h23
